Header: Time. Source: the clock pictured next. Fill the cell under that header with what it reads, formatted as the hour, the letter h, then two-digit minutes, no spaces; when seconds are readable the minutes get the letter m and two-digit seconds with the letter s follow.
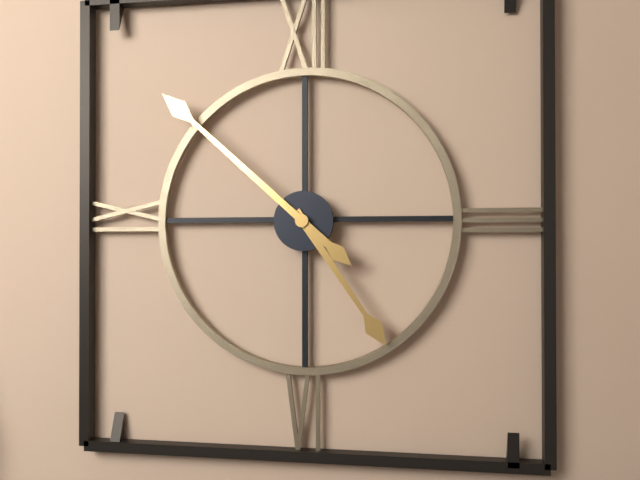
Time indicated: 4h52
